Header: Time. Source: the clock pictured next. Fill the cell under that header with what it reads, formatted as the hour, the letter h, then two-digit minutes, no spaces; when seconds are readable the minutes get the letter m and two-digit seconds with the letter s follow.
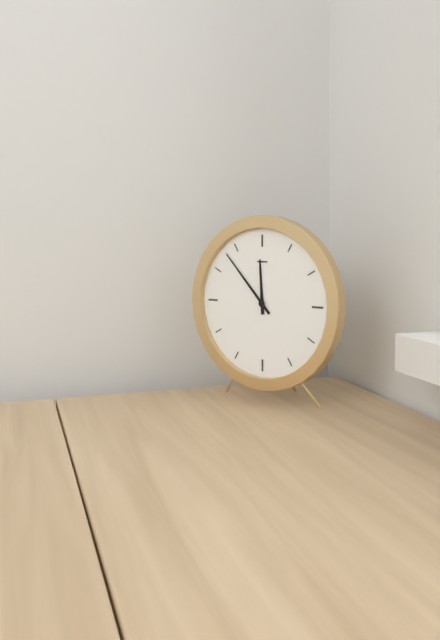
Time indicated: 11h53
